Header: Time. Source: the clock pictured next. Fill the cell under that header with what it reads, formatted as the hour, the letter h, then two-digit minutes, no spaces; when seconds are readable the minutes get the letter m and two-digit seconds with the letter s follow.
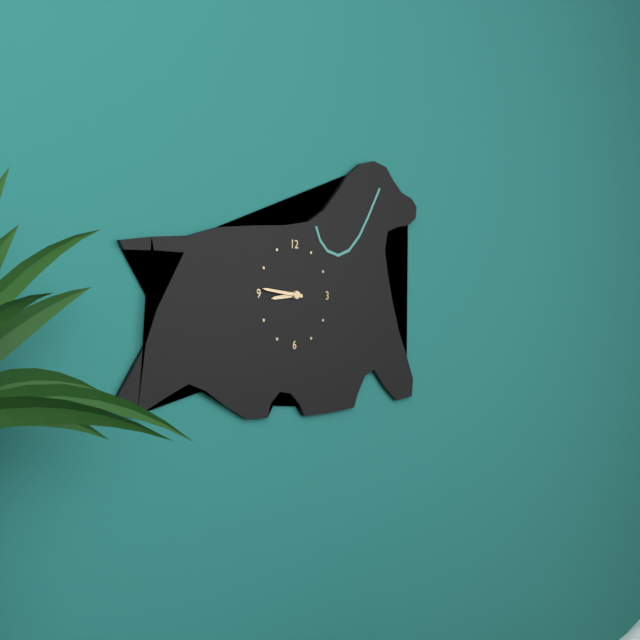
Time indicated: 8h46
